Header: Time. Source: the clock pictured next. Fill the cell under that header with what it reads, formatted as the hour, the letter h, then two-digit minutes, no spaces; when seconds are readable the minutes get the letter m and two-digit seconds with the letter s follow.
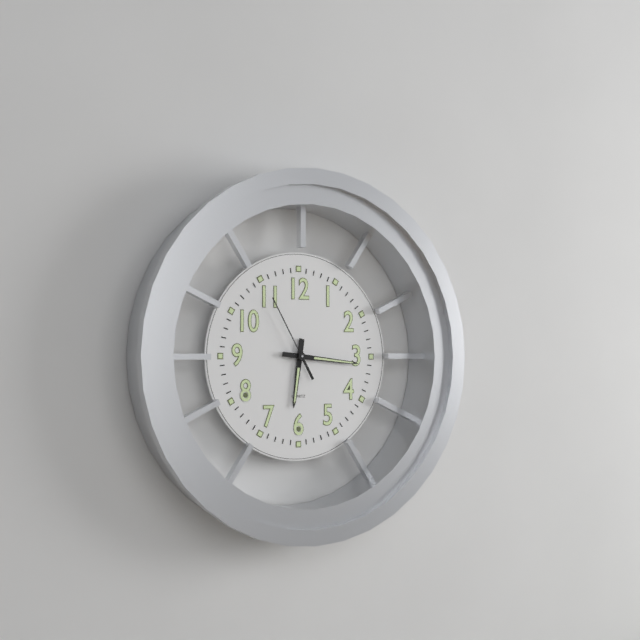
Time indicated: 6h16m55s
